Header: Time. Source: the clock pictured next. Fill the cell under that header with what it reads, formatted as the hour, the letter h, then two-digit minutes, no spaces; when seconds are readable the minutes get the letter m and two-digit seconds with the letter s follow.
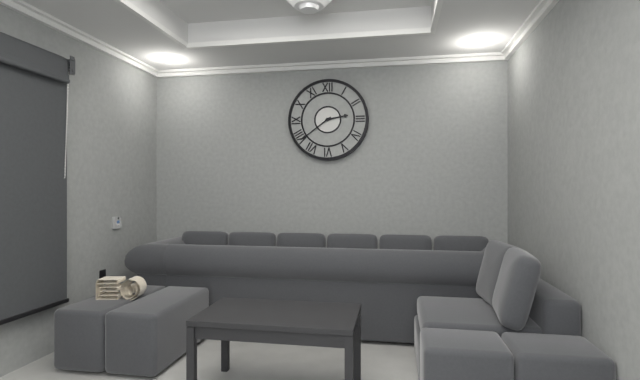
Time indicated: 2h39
